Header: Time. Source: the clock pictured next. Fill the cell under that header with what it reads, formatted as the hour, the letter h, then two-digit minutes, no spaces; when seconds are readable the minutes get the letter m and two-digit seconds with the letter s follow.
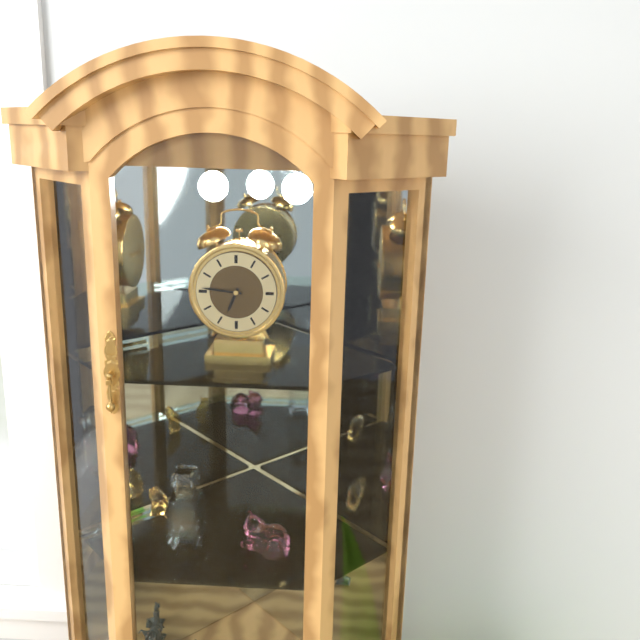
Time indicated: 6h46
